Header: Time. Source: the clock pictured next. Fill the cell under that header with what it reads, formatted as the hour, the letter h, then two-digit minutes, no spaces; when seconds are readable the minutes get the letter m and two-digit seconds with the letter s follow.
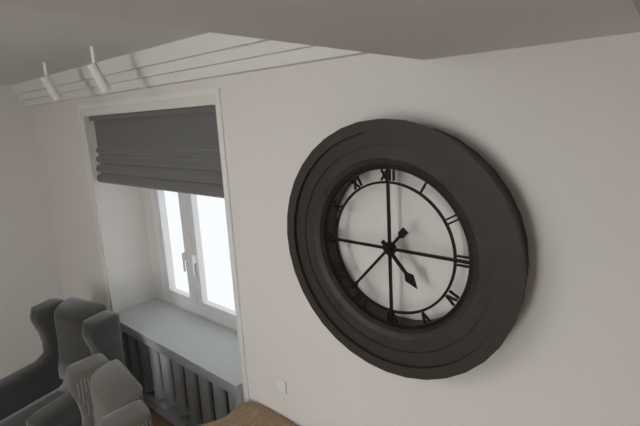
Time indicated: 4h37
